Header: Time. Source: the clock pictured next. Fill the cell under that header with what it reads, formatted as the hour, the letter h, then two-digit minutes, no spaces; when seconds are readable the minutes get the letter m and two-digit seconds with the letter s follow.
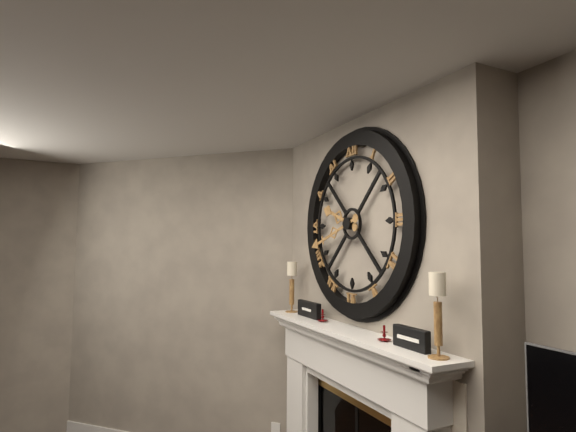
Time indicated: 9h42
